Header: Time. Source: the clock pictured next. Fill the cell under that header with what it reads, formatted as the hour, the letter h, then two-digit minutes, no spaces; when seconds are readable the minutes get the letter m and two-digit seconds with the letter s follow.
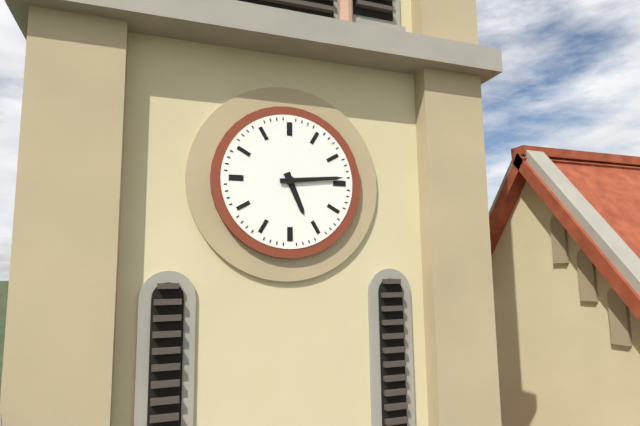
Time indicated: 5h14
